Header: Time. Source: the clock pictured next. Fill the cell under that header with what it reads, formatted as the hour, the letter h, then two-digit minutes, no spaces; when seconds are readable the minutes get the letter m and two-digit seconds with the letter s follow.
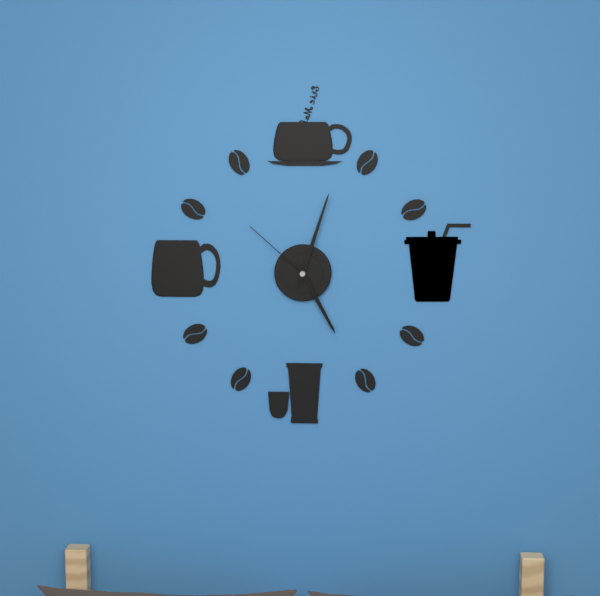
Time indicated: 5h03m52s
